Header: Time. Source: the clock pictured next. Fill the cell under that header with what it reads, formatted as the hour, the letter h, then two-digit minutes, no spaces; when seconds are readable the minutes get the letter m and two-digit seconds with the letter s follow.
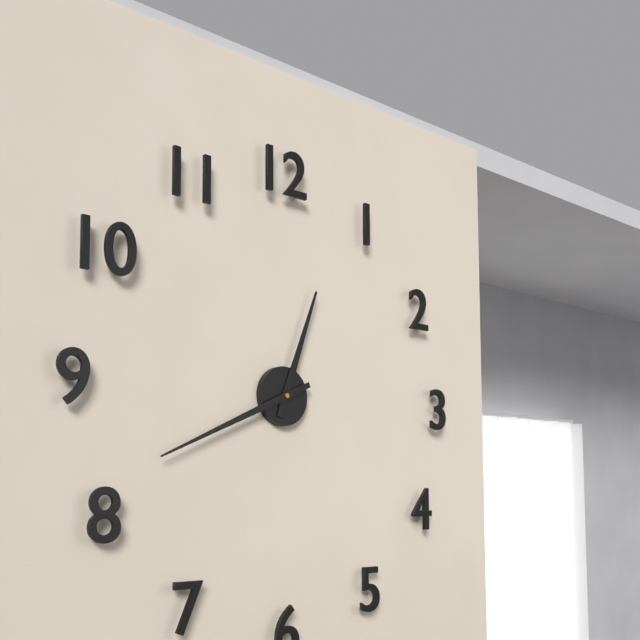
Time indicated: 12h41
